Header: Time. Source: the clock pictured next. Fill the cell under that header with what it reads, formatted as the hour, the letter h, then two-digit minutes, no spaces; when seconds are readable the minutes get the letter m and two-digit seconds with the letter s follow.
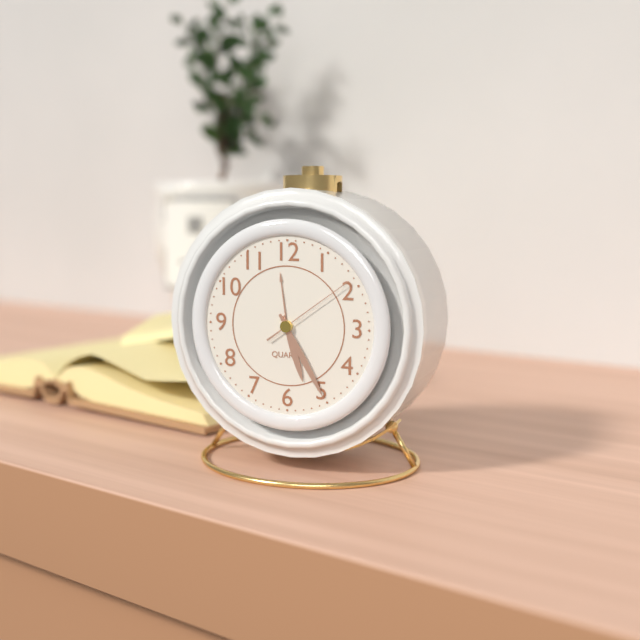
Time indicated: 5h25m09s
